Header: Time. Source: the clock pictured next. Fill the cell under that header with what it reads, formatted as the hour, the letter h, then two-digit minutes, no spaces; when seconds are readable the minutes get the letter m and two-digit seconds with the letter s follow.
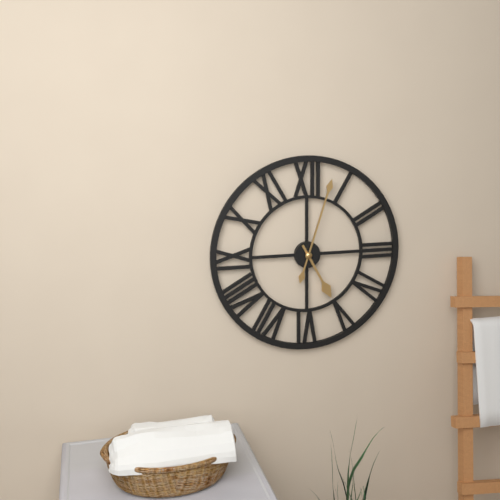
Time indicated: 5h03
